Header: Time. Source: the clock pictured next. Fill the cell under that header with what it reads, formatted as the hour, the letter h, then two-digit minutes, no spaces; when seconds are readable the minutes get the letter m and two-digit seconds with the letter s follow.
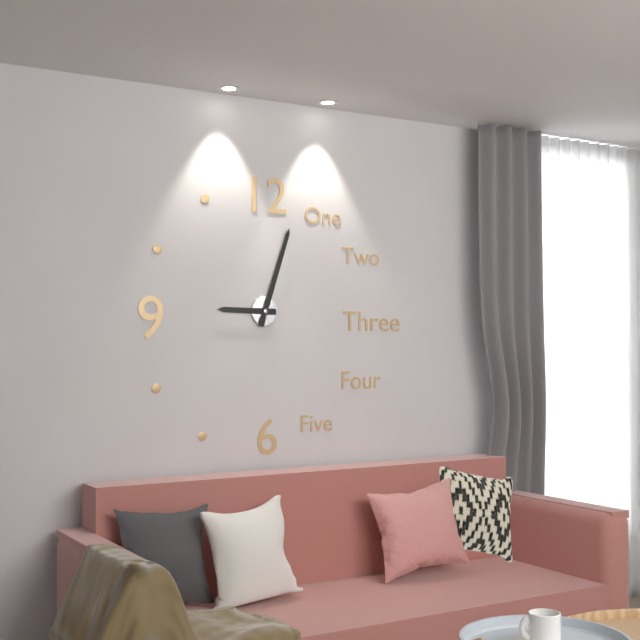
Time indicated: 9h03
